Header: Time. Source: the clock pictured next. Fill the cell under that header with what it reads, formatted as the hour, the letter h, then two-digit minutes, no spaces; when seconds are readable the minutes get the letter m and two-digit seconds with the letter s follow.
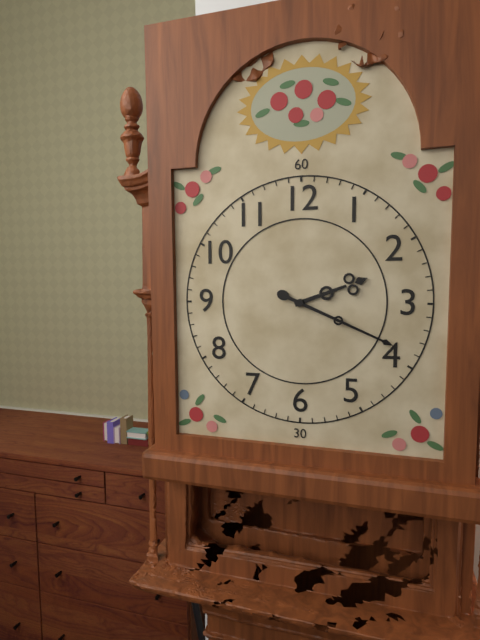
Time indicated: 2h19
